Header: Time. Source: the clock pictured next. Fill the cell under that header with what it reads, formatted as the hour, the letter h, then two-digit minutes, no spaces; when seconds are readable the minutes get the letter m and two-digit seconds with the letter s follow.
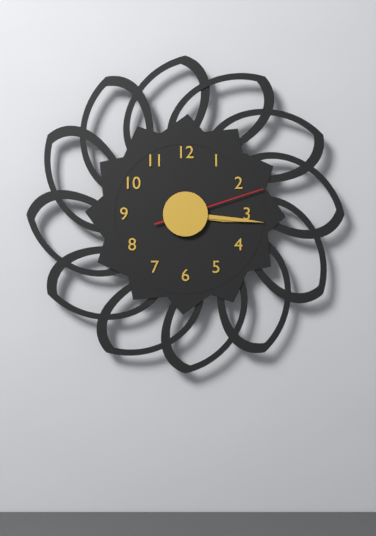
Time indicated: 3h16m12s
